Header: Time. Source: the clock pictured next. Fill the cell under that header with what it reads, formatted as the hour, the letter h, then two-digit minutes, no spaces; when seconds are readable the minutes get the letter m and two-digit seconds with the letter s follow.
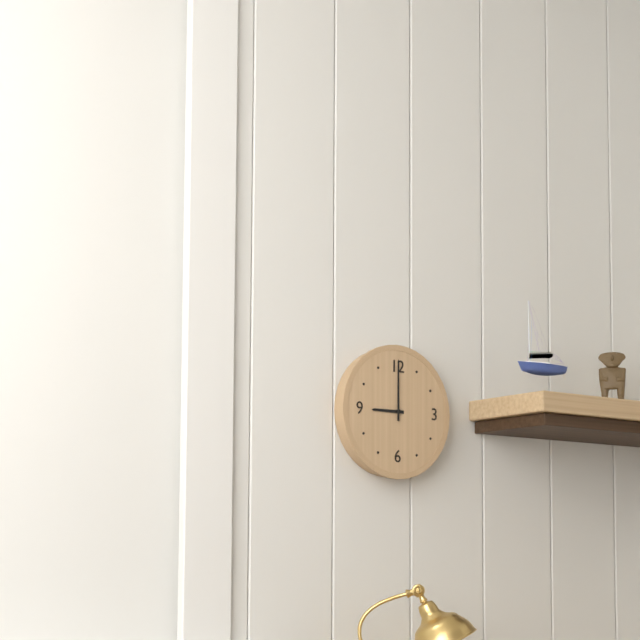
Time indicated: 9h00
